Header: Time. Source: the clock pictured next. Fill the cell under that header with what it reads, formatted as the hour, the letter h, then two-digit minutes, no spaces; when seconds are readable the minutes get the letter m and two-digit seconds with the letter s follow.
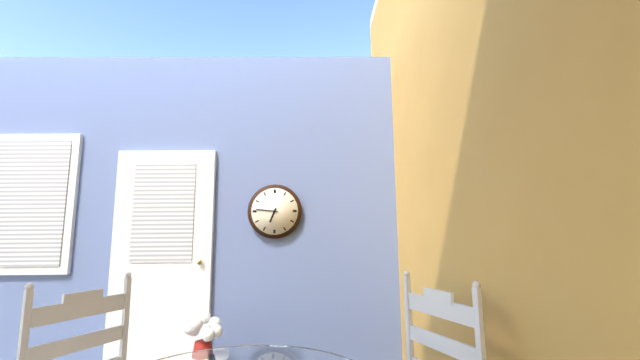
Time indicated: 6h46
